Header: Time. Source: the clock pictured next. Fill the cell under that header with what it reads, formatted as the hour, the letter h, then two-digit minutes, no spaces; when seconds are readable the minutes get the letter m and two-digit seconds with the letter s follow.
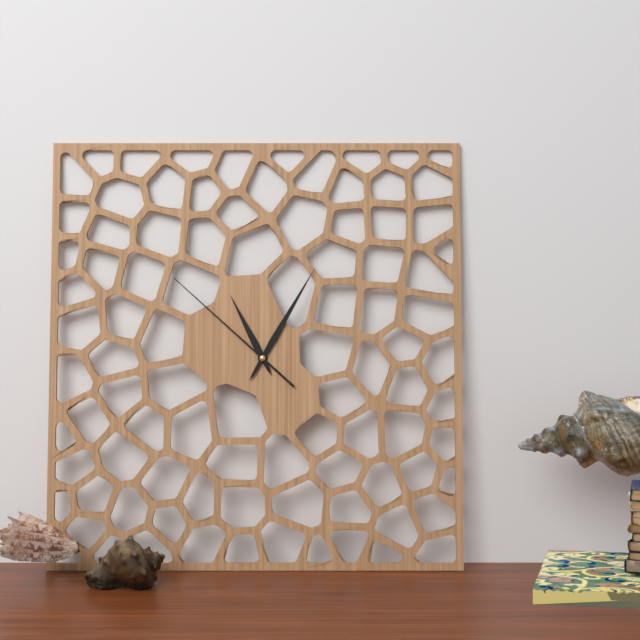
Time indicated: 11h05m52s
